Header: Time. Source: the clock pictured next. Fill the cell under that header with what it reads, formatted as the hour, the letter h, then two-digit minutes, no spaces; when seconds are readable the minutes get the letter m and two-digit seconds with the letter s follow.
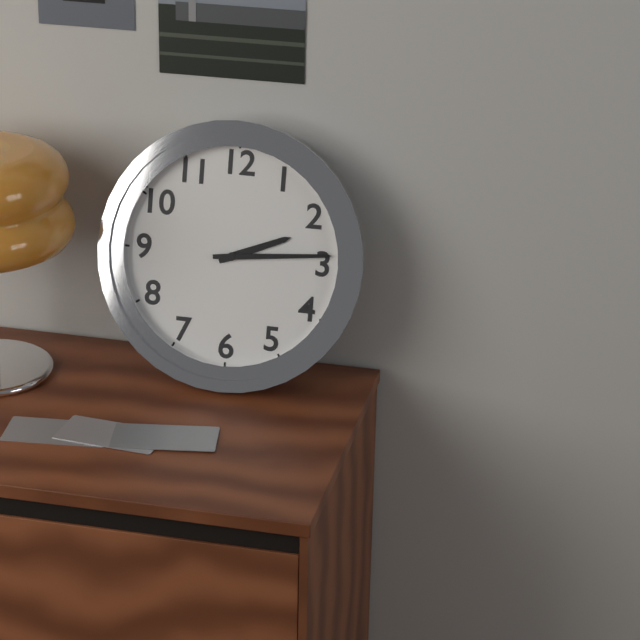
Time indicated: 2h14
